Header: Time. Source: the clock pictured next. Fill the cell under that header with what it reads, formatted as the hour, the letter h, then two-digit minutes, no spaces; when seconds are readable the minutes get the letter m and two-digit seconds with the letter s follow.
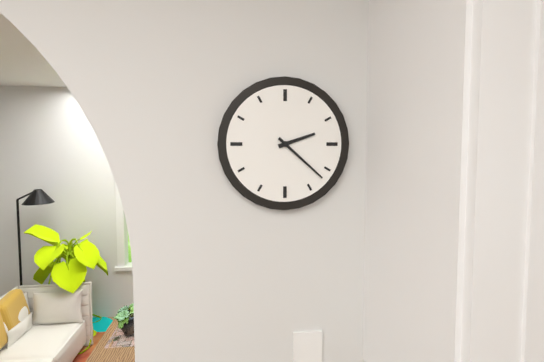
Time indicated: 2h22
